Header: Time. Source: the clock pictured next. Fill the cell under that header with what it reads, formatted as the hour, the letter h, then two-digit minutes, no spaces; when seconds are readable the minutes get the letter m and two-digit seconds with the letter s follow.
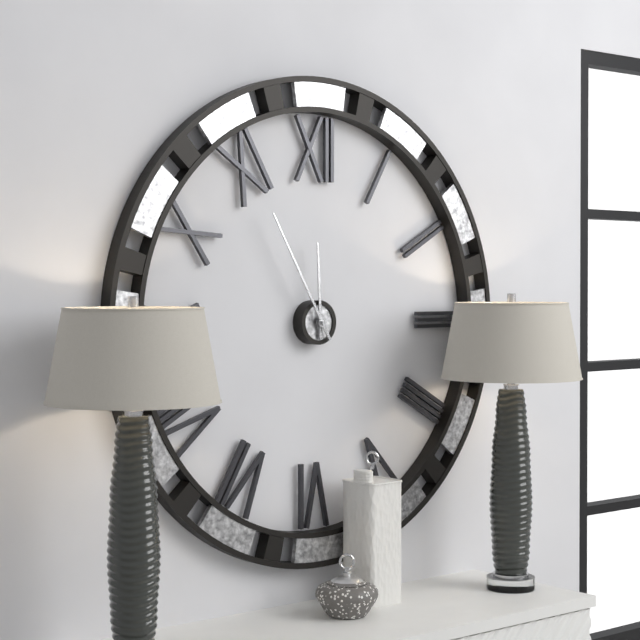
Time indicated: 11h55
